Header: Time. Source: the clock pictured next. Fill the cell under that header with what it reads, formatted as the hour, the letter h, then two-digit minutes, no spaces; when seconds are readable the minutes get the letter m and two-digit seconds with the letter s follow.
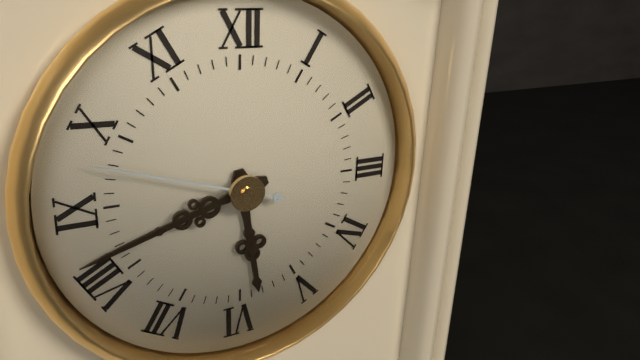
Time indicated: 5h42m48s
